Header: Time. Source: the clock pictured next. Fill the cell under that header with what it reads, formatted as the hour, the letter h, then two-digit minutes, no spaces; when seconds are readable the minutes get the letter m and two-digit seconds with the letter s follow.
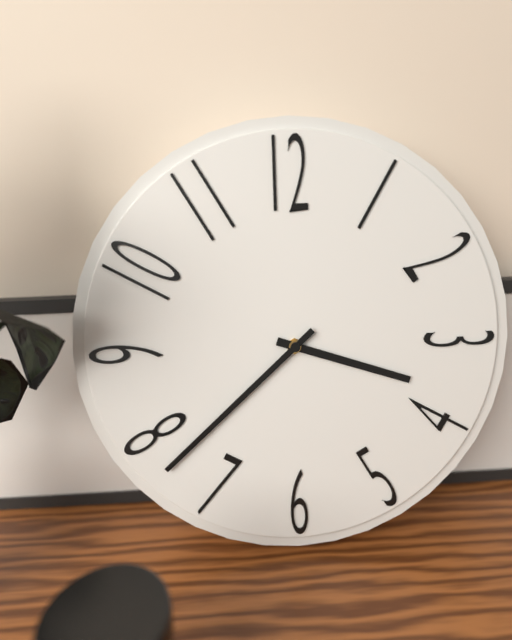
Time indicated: 3h38
